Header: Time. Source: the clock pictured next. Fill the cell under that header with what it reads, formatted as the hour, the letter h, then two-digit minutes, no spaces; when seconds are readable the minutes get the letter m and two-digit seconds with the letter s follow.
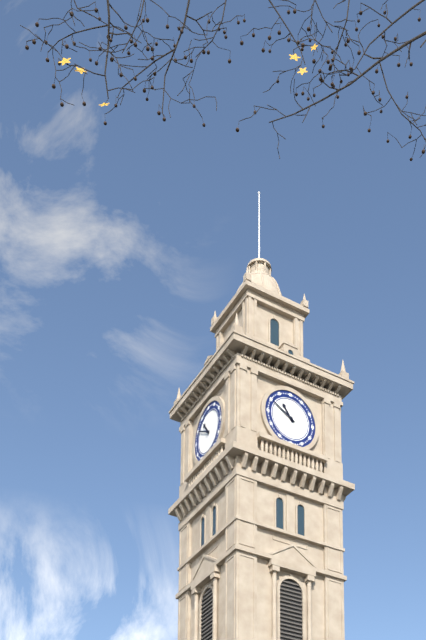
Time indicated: 10h50
